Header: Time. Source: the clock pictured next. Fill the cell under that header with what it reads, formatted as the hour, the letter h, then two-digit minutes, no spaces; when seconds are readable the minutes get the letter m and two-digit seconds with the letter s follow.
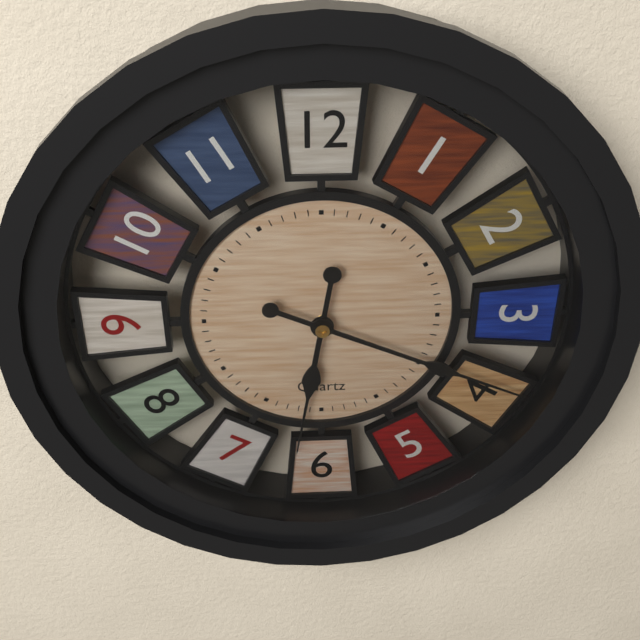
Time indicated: 6h19
